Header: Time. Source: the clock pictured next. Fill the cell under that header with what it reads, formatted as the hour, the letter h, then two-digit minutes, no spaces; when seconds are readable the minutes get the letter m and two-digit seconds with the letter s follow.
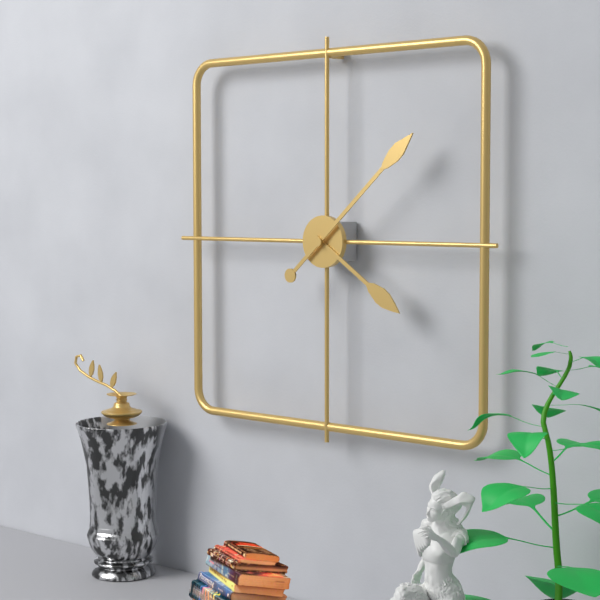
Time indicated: 4h08
